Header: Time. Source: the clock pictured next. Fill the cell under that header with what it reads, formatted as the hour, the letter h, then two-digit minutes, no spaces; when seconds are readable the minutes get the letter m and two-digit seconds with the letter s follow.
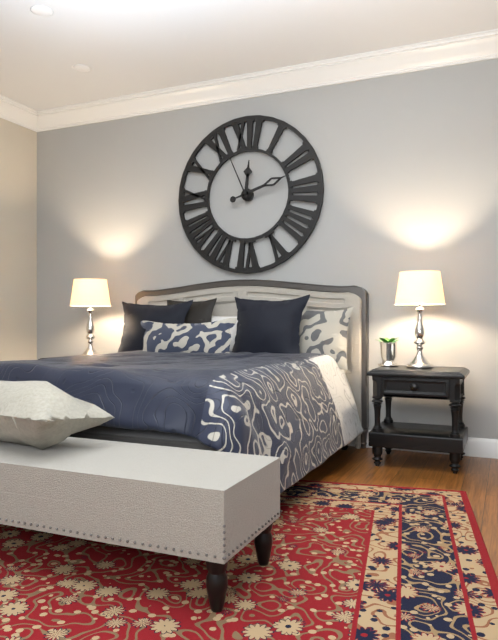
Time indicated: 12h12m56s
